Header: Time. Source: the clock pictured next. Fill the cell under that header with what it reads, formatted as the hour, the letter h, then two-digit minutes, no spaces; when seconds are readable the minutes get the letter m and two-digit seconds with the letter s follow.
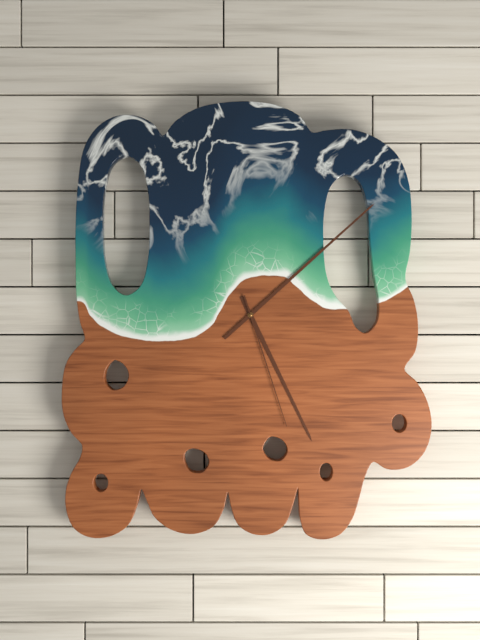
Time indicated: 5h08m27s
